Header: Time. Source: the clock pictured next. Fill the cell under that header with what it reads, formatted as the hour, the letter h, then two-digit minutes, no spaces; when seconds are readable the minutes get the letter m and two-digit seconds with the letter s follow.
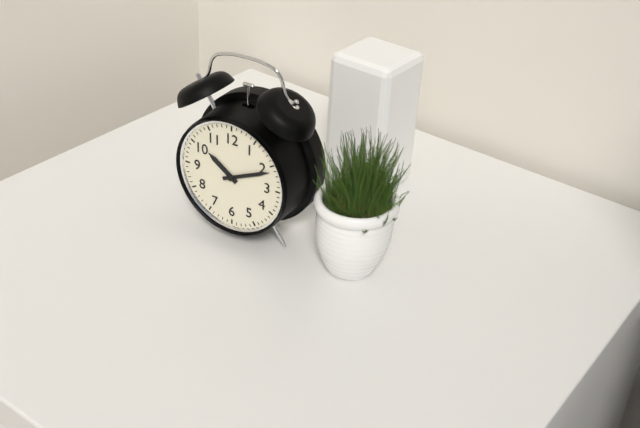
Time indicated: 10h11
